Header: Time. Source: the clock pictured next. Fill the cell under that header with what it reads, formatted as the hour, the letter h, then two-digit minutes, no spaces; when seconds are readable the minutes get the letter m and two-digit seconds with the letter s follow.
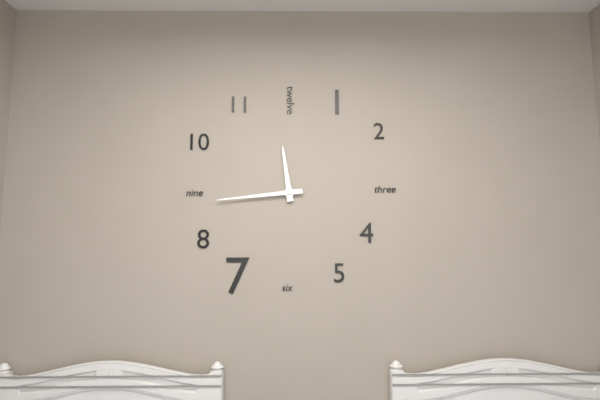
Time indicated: 11h44
